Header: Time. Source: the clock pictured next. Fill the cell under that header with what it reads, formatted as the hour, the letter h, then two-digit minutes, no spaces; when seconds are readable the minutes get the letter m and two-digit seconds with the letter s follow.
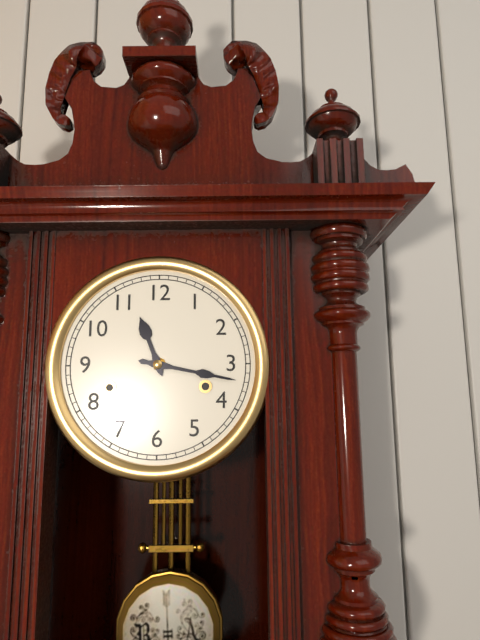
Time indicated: 11h17
